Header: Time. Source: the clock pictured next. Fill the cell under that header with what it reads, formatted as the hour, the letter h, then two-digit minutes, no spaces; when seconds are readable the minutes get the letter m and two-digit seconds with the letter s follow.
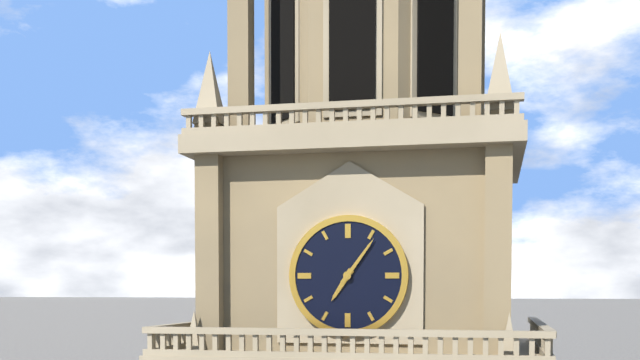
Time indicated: 7h06
